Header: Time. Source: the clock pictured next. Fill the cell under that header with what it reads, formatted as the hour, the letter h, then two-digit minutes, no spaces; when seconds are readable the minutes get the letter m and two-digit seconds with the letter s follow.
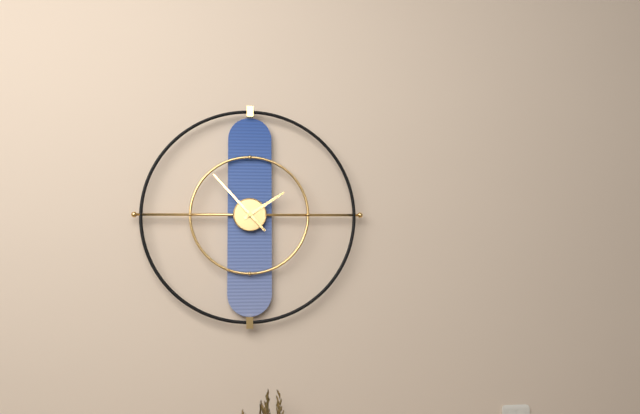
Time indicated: 1h53
